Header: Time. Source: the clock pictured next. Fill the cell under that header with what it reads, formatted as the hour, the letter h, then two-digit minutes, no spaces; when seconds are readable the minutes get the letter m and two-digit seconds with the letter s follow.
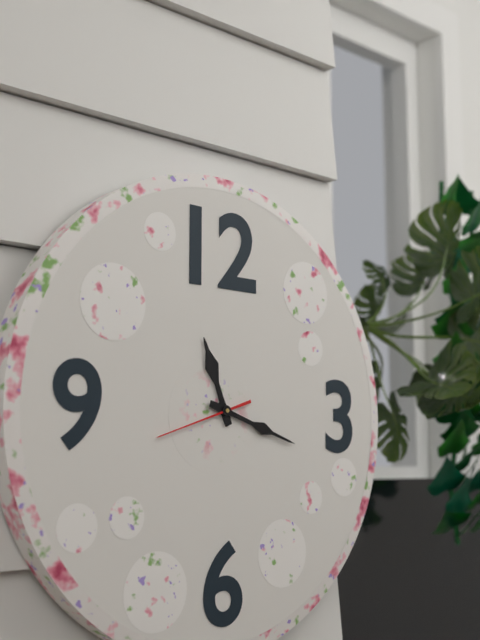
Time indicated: 11h18m42s
